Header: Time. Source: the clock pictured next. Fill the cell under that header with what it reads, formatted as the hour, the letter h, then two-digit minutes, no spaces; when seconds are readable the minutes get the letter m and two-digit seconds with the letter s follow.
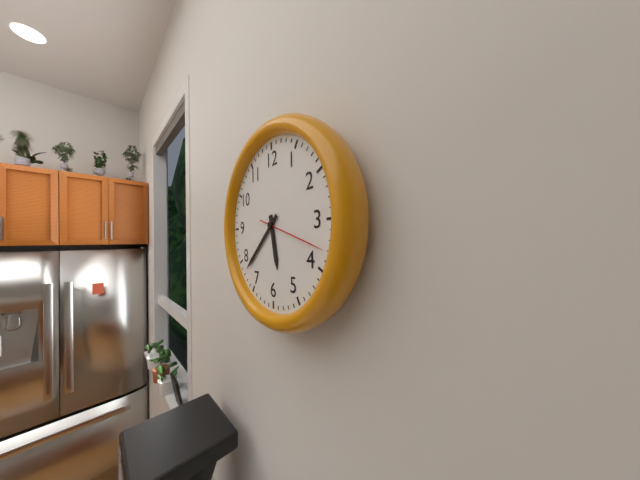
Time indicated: 5h38m18s
